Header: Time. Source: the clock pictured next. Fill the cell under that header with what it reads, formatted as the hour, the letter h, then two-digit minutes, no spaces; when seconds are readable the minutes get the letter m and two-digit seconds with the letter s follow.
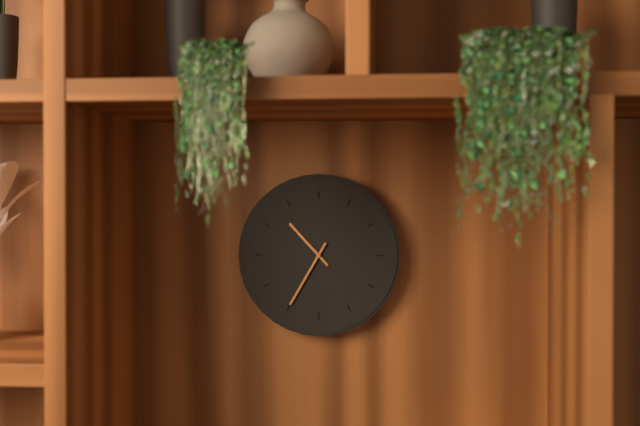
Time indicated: 10h35
